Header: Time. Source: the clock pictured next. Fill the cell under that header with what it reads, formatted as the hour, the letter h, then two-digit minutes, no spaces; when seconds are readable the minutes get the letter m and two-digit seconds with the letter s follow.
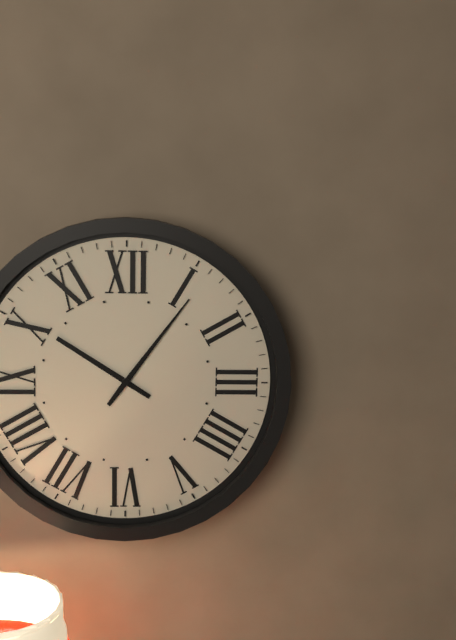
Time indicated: 10h06
